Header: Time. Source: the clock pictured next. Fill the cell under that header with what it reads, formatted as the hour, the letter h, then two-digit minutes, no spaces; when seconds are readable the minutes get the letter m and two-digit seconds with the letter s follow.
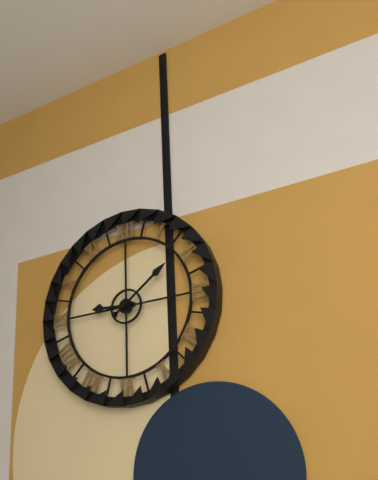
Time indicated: 9h09
